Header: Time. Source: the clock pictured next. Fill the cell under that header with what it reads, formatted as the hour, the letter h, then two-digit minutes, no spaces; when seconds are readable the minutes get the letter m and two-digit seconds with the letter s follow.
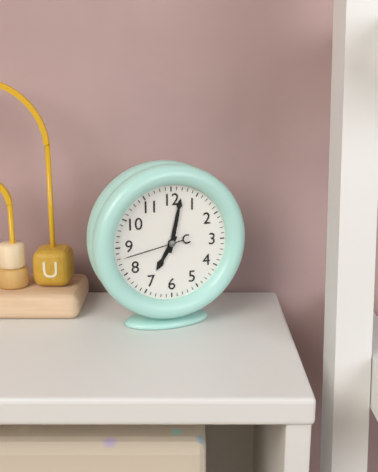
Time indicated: 7h02m43s
